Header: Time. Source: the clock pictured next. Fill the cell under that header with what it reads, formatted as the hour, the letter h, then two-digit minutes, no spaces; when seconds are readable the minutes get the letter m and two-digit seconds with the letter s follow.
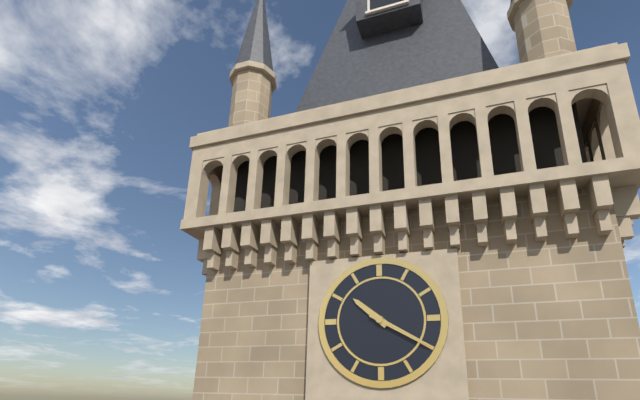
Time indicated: 10h20
